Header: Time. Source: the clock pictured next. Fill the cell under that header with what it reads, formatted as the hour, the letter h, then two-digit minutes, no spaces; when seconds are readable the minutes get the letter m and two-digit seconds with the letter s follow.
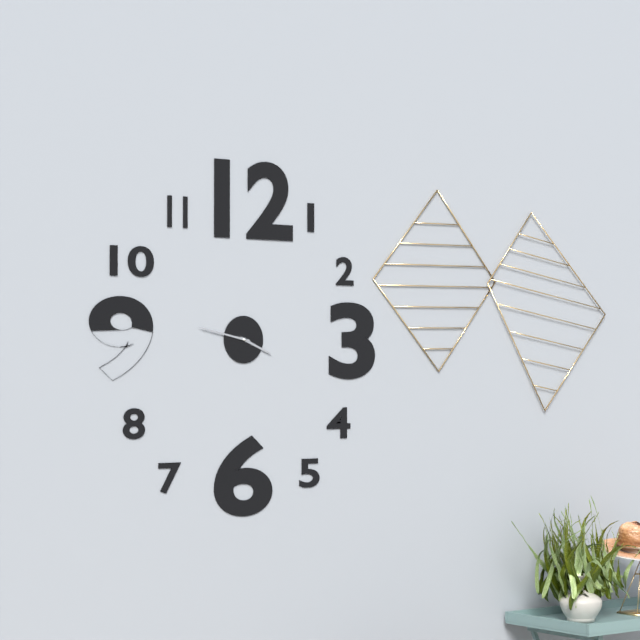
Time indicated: 3h47
